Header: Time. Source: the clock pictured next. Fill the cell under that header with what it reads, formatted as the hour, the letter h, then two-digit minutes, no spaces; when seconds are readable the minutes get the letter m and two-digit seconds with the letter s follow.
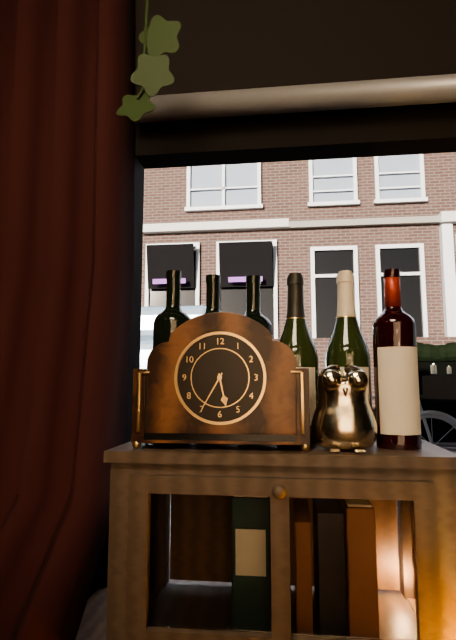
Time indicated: 5h35
